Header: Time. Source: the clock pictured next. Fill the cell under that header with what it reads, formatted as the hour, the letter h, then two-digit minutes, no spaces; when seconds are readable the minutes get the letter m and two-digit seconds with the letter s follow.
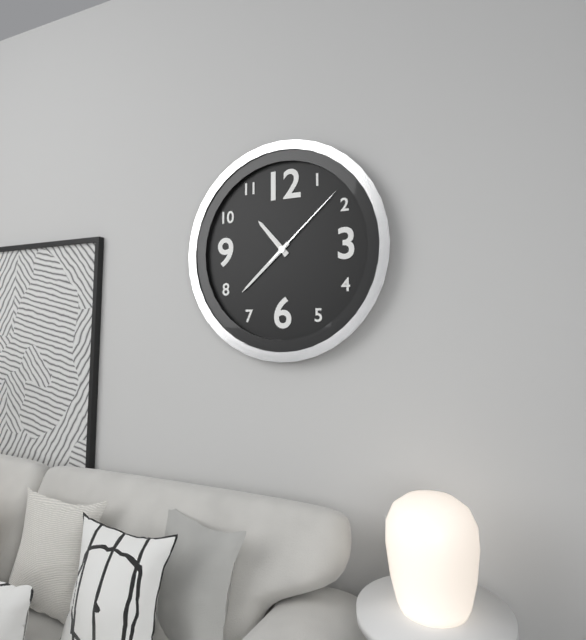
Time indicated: 10h38m08s
